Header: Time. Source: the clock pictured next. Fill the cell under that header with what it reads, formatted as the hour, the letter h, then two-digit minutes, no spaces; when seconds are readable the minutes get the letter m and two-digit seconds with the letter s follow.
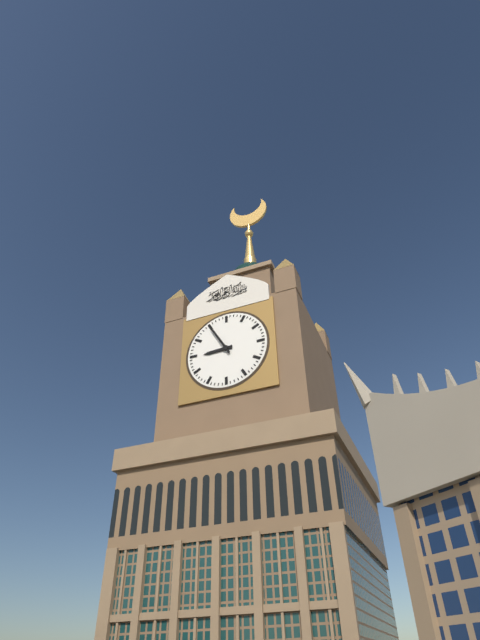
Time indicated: 8h55
